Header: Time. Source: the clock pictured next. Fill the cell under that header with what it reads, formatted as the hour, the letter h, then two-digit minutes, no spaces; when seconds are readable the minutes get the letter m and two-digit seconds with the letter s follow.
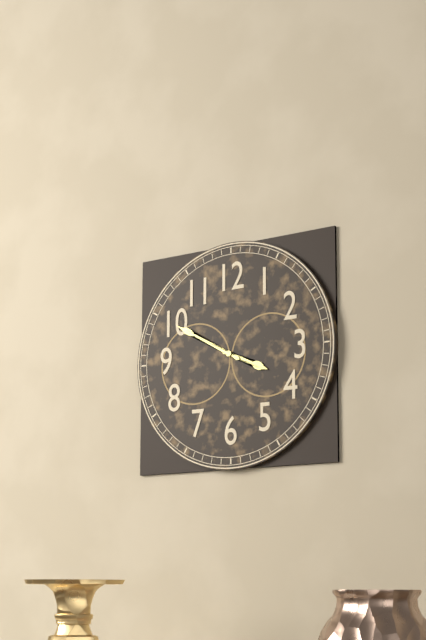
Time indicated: 3h50
